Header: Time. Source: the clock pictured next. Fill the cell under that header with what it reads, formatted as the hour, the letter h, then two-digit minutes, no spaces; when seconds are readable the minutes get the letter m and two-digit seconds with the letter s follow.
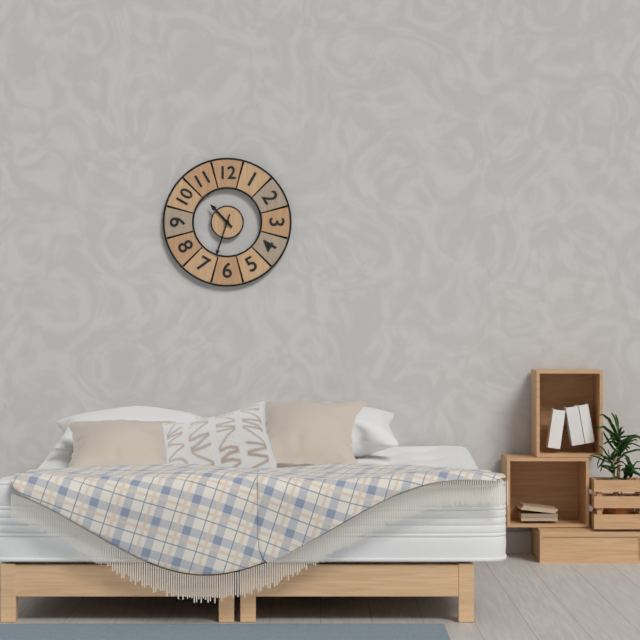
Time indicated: 10h33
